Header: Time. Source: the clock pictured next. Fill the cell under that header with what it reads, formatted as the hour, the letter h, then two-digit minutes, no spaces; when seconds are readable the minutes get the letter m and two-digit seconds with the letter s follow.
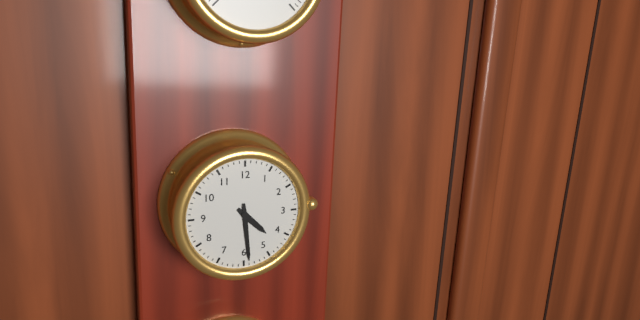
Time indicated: 4h29
